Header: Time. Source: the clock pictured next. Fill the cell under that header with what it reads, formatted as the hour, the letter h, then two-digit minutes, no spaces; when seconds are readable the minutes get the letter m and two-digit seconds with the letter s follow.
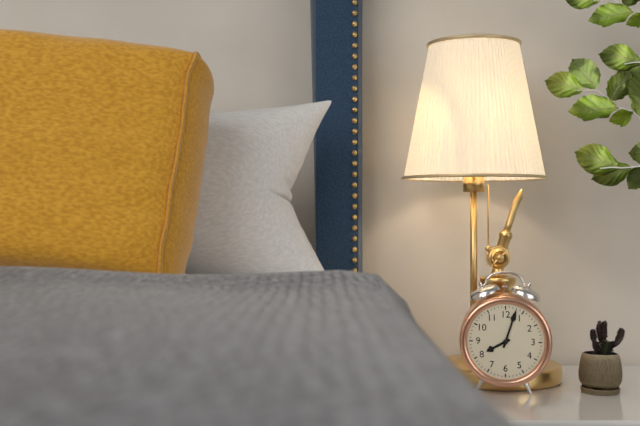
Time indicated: 8h03
